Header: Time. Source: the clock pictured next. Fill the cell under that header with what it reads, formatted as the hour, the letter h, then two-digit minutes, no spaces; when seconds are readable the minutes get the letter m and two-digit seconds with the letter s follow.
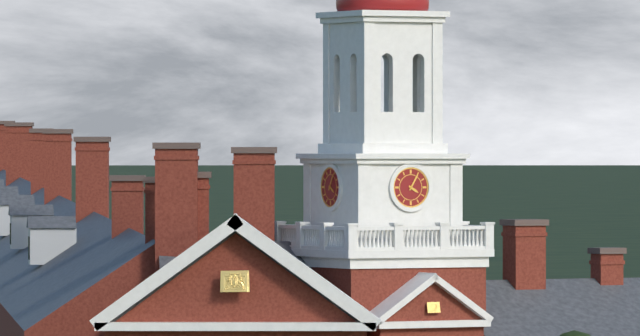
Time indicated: 4h05
